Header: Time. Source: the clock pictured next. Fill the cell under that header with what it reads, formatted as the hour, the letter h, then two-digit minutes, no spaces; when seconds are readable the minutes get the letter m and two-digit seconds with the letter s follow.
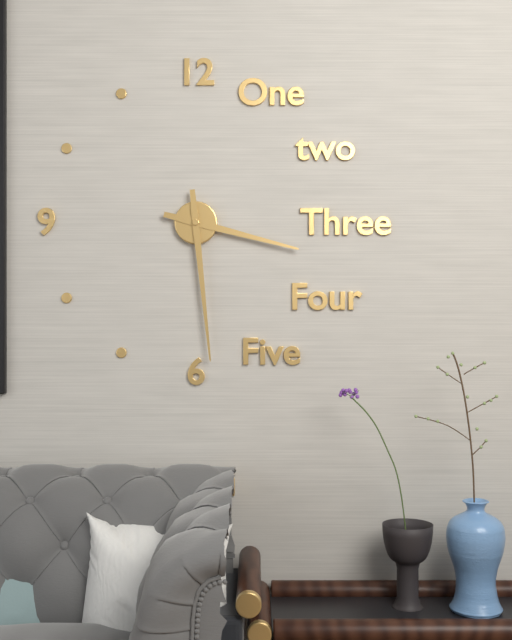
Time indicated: 3h29
